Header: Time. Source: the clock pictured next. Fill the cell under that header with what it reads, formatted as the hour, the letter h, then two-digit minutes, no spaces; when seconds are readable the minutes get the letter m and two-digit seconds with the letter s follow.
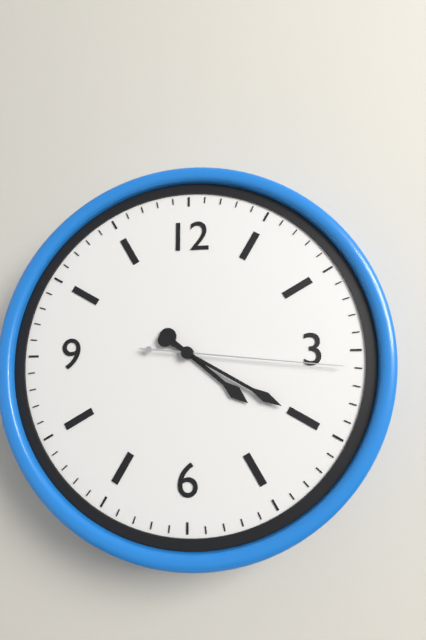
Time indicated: 4h20m16s
